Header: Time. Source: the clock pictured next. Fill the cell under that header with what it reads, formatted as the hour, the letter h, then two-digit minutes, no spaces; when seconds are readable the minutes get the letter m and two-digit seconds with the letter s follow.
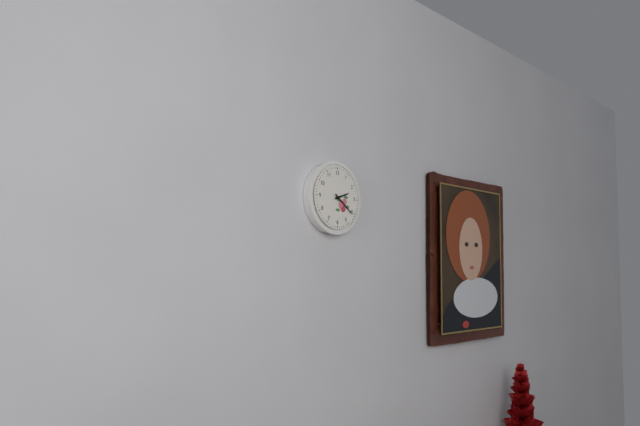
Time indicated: 2h21
